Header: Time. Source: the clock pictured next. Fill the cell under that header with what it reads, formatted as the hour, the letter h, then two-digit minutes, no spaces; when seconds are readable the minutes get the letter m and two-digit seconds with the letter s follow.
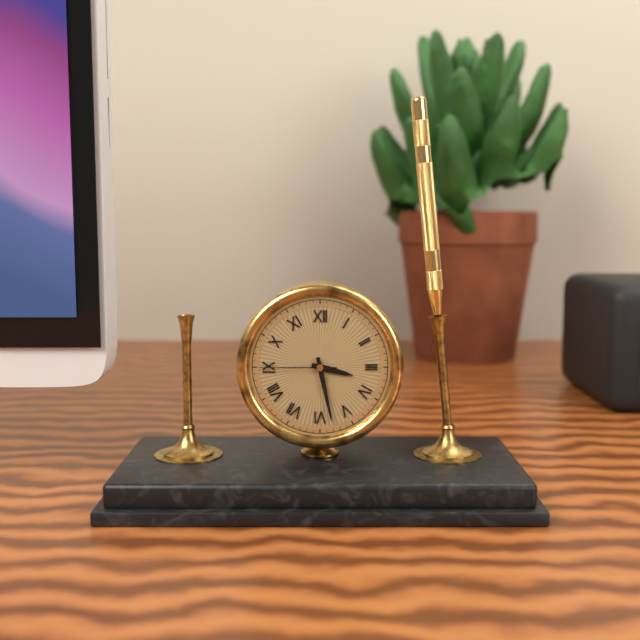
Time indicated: 3h28m45s
